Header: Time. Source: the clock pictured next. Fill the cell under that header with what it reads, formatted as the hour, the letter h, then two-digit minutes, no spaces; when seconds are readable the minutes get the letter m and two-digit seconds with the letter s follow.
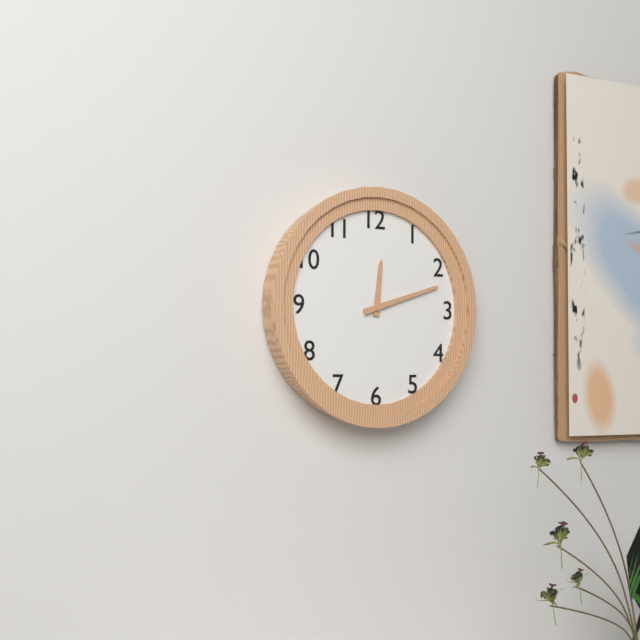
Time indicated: 12h12
